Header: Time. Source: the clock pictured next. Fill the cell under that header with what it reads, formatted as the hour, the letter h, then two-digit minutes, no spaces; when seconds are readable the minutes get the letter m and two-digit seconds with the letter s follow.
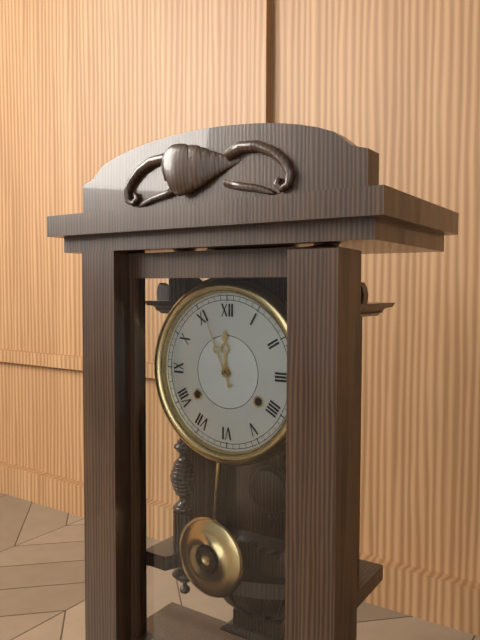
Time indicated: 11h56
